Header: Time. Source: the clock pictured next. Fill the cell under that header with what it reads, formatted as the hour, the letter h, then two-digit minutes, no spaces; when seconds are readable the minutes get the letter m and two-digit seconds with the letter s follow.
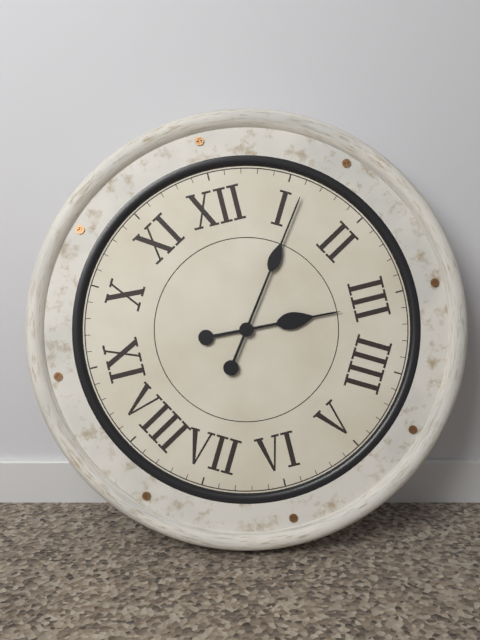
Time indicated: 3h06
